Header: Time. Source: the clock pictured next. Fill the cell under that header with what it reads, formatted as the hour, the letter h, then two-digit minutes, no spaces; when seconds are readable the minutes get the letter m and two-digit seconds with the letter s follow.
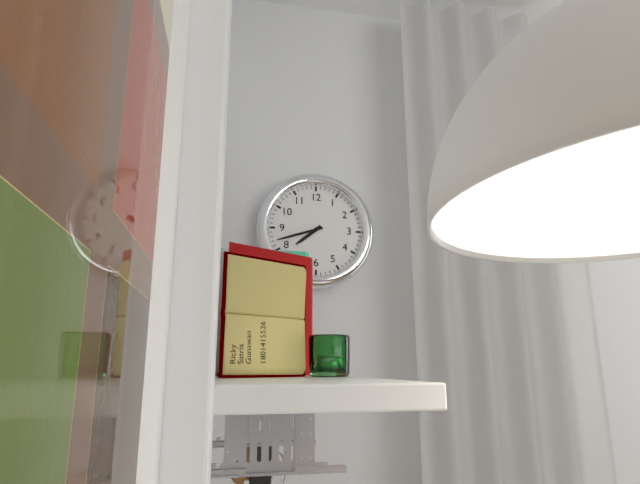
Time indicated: 7h42
